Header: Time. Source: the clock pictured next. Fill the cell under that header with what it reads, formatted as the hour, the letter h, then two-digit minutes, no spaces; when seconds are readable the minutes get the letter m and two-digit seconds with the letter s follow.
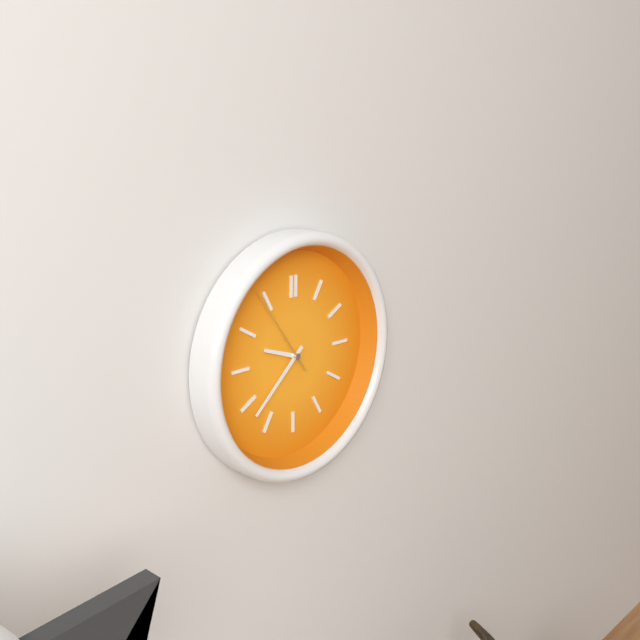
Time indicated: 9h38m54s
